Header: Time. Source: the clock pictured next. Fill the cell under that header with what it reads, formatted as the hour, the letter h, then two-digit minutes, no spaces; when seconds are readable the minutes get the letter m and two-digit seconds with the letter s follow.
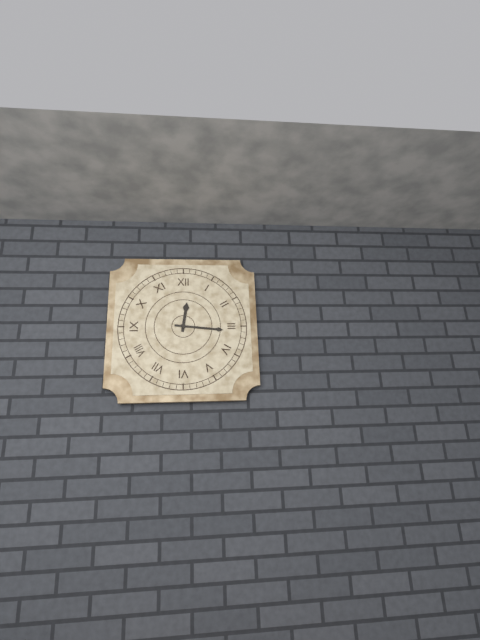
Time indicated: 12h16
